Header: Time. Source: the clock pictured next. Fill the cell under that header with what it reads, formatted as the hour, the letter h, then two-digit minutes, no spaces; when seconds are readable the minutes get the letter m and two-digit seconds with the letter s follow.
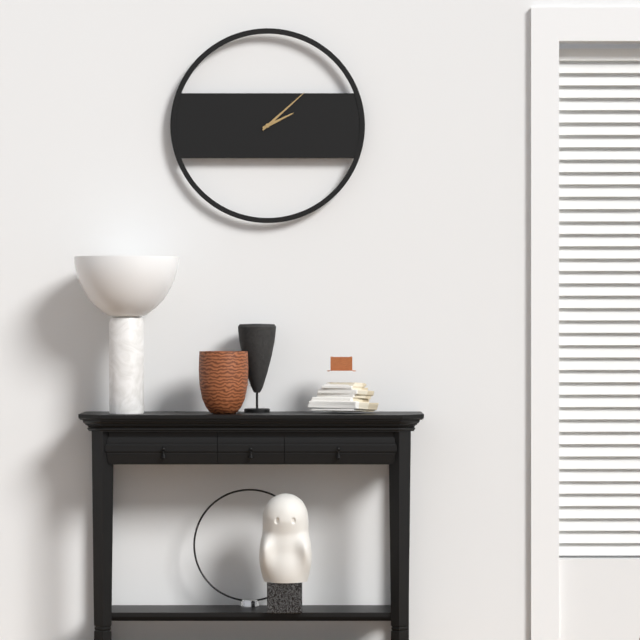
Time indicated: 2h08
